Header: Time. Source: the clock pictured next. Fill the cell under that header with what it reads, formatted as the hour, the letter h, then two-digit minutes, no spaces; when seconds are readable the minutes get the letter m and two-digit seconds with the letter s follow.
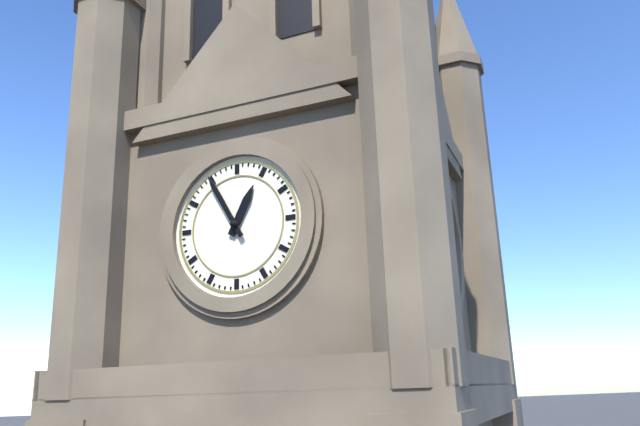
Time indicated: 12h55
